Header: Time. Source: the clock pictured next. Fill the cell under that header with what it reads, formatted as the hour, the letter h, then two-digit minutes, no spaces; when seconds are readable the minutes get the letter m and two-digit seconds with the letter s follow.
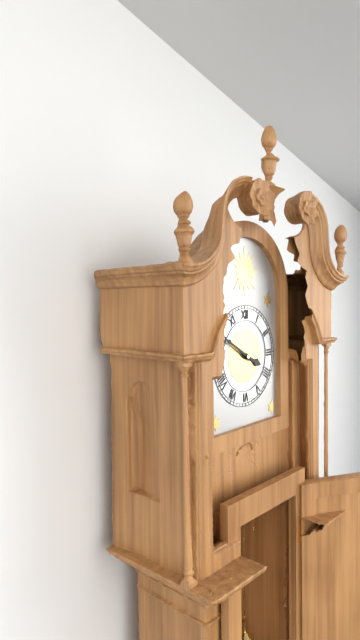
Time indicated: 3h50
